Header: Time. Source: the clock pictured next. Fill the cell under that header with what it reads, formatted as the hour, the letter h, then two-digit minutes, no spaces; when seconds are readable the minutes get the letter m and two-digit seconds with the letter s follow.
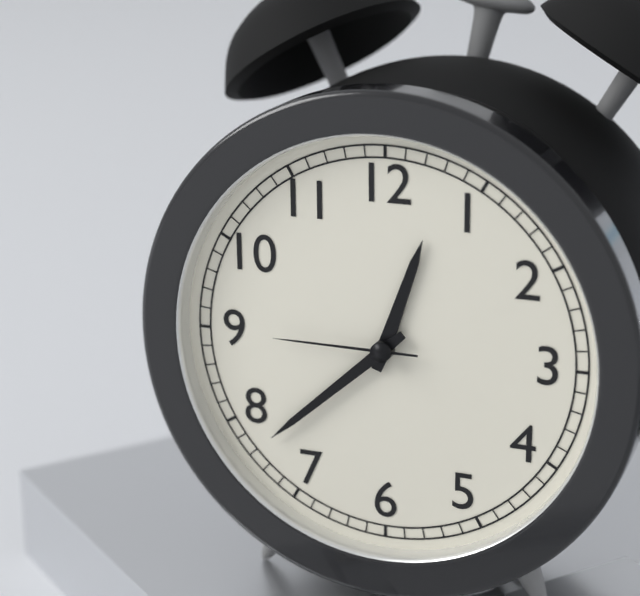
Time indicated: 12h38m45s
